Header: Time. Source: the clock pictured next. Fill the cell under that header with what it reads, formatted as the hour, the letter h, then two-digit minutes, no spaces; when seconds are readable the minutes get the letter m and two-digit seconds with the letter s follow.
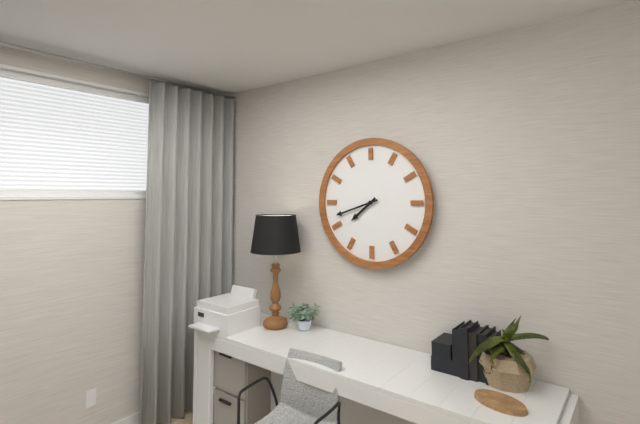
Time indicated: 7h42
